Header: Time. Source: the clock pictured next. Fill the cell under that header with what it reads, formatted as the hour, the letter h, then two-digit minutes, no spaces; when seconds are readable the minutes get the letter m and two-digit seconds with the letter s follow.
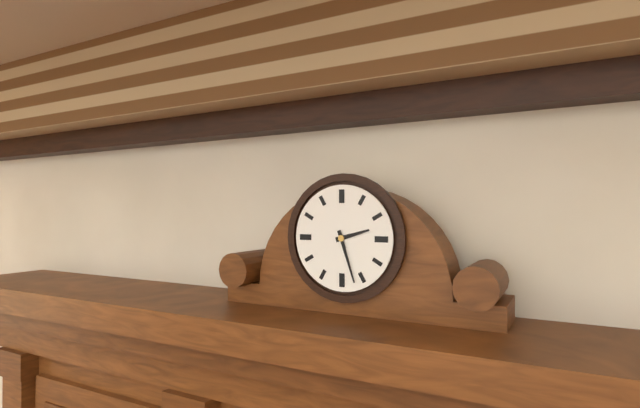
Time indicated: 2h27
